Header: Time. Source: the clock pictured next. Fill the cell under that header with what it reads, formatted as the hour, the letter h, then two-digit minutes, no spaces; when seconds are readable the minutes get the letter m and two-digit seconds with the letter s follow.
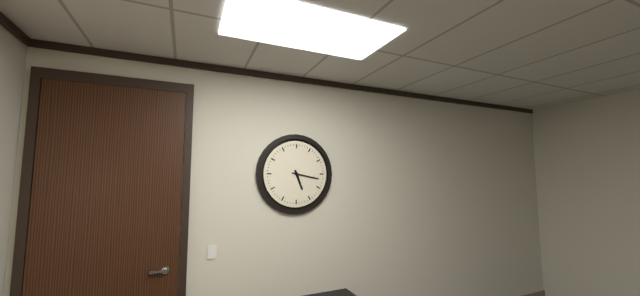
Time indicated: 5h17
